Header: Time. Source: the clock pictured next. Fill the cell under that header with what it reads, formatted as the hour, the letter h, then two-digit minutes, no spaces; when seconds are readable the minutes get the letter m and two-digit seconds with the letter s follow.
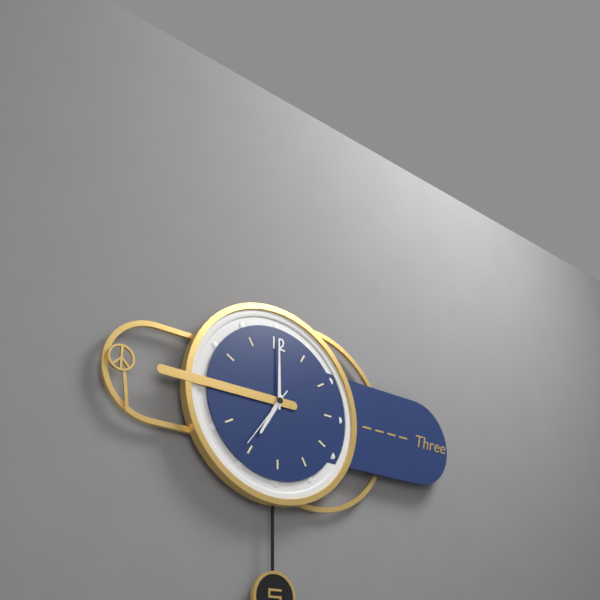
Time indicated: 7h00m36s
